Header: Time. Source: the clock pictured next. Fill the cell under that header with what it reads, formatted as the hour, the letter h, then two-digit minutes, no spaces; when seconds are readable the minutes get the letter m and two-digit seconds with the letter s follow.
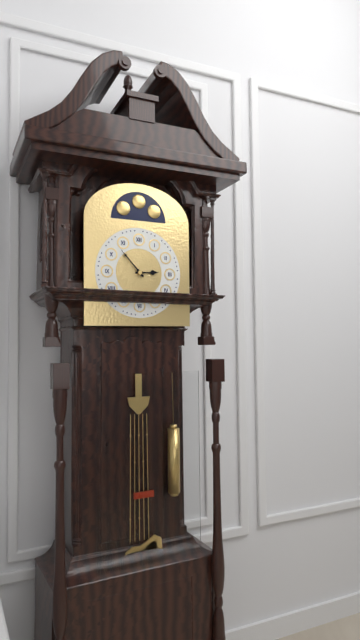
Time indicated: 2h53
